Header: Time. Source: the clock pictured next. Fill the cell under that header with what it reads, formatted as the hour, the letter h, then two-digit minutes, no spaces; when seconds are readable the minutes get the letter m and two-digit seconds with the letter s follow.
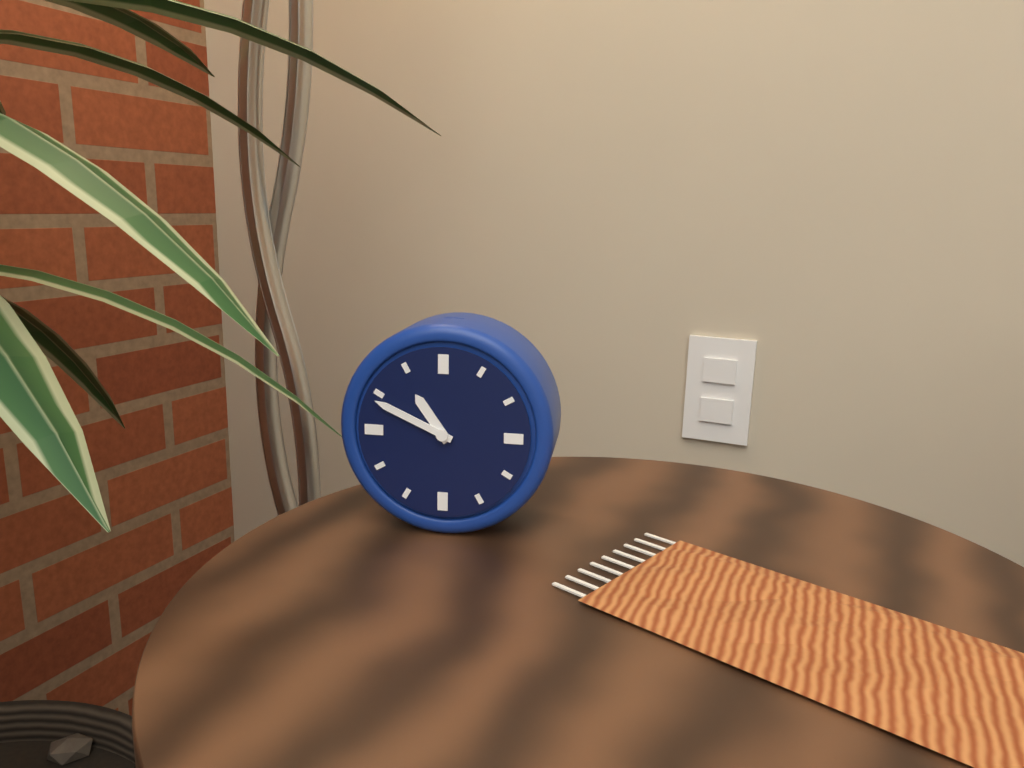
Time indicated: 10h49
